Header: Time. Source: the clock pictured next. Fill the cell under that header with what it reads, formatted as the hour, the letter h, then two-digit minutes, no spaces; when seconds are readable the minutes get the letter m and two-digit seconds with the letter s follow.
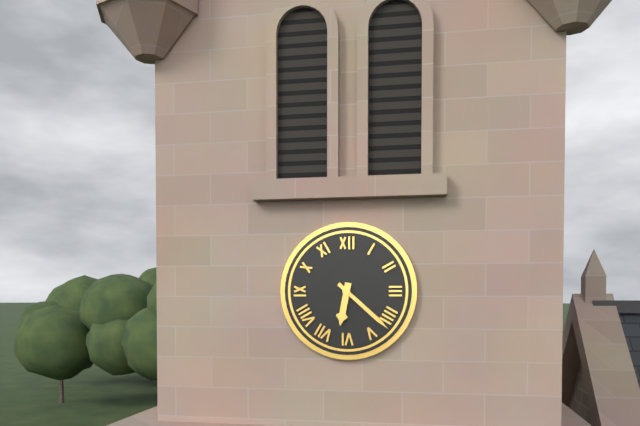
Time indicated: 6h22
